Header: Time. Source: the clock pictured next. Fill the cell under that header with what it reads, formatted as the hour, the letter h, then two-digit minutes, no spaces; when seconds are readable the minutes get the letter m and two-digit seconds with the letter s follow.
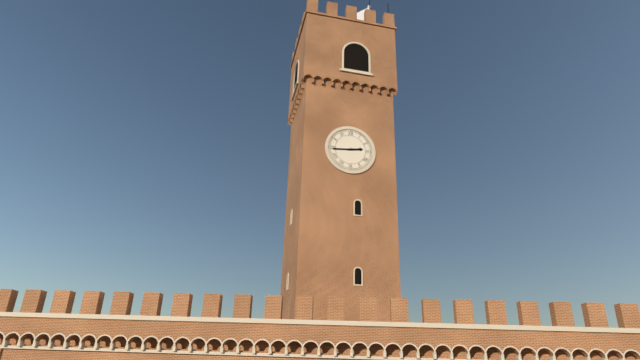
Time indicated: 2h44
